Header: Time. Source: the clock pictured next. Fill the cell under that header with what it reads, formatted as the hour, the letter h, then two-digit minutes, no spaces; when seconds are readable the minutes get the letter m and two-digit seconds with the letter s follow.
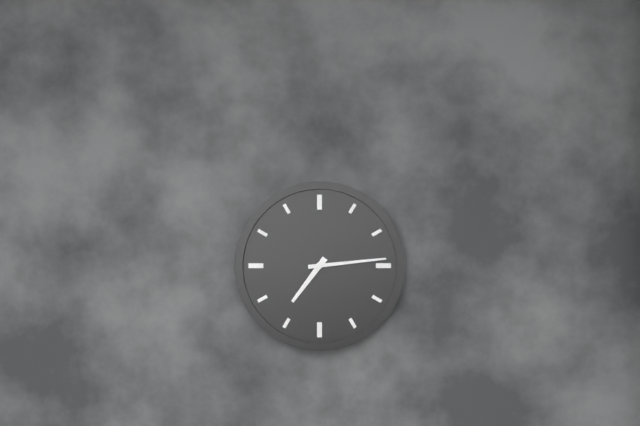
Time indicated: 7h14
